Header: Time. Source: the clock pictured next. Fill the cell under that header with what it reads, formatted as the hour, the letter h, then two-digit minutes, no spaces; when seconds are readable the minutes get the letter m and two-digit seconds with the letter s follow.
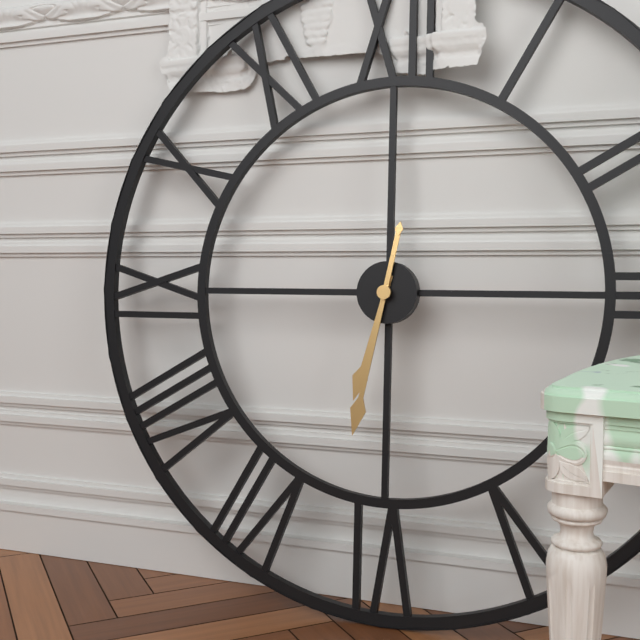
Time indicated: 6h32
